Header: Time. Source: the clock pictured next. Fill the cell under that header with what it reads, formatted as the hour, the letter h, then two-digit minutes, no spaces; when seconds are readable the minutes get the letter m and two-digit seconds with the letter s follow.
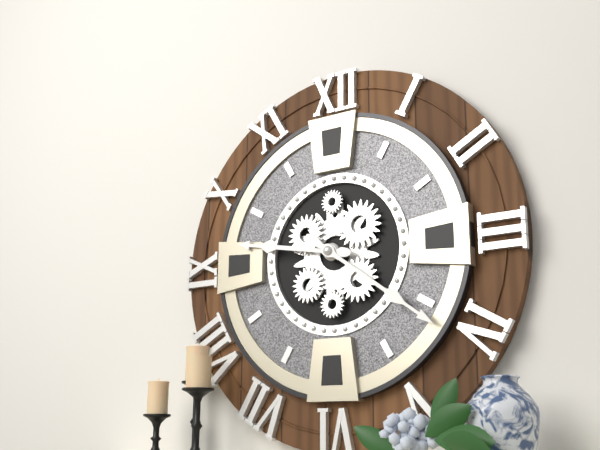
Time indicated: 9h21
